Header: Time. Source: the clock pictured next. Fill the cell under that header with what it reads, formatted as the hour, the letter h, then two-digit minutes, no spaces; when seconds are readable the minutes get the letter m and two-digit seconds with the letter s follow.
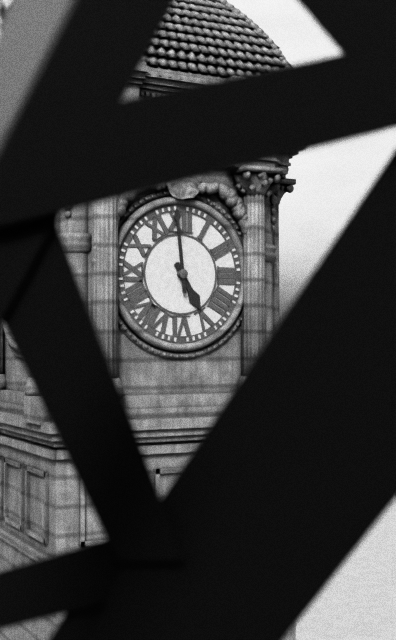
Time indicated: 4h59
